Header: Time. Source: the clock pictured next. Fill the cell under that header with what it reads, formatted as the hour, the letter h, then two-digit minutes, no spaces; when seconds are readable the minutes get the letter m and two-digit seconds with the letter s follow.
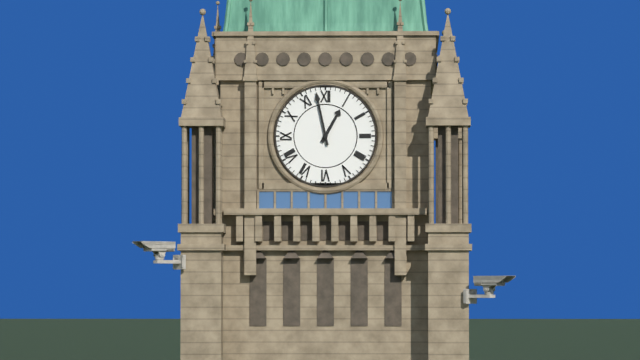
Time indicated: 12h58
